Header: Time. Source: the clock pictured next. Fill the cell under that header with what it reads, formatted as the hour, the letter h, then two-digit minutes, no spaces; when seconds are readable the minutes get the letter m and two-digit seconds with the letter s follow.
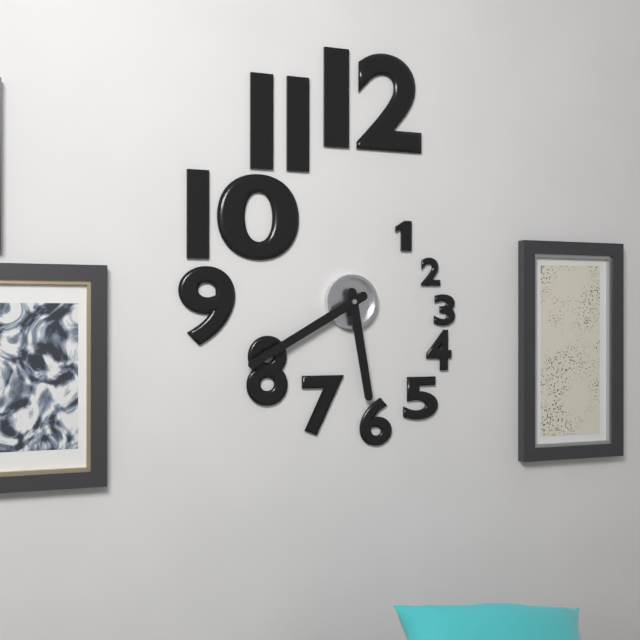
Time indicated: 5h40
